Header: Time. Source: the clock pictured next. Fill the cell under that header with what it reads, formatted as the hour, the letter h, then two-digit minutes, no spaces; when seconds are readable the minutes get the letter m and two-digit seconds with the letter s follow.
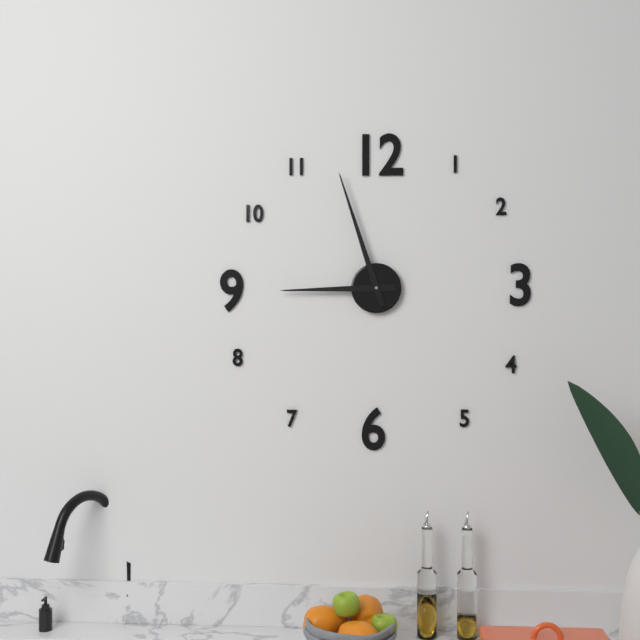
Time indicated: 8h57
